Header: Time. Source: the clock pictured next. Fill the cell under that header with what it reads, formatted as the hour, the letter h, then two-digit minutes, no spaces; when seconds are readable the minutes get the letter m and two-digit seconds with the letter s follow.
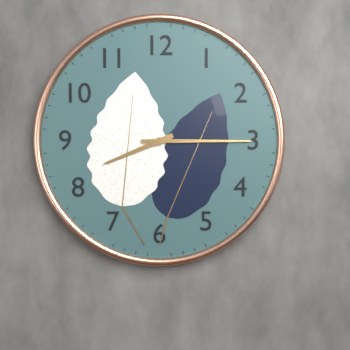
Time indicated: 8h15
